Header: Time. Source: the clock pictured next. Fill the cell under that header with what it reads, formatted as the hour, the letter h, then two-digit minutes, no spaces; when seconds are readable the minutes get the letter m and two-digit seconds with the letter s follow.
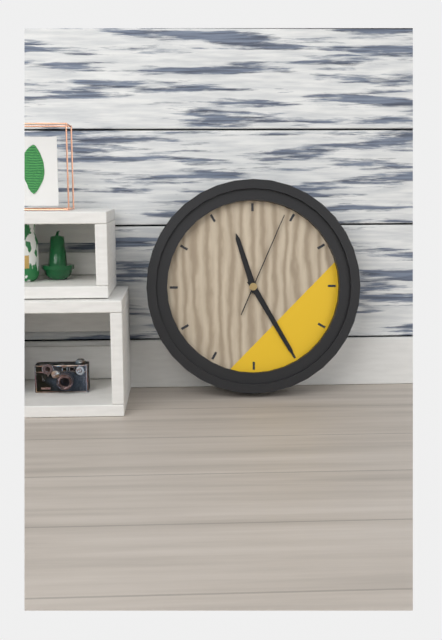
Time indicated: 11h25m04s
